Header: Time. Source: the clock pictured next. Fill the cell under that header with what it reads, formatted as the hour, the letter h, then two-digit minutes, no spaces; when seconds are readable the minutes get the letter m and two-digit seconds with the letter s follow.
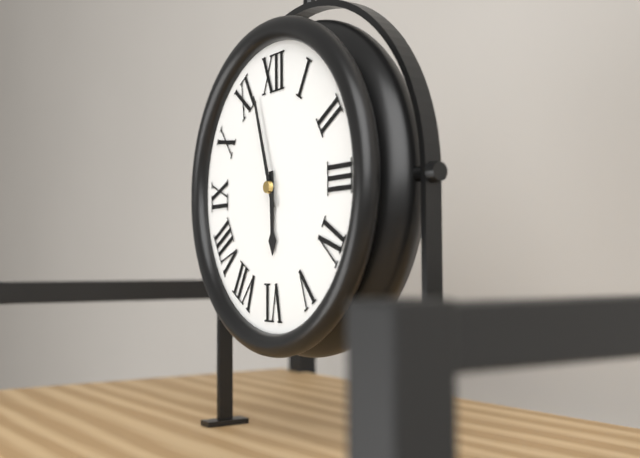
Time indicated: 5h57
